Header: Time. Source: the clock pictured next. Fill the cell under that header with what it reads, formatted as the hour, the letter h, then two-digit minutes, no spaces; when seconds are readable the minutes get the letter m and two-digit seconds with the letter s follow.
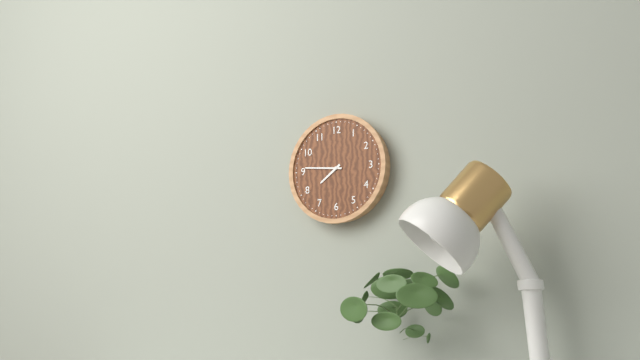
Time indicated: 7h46
